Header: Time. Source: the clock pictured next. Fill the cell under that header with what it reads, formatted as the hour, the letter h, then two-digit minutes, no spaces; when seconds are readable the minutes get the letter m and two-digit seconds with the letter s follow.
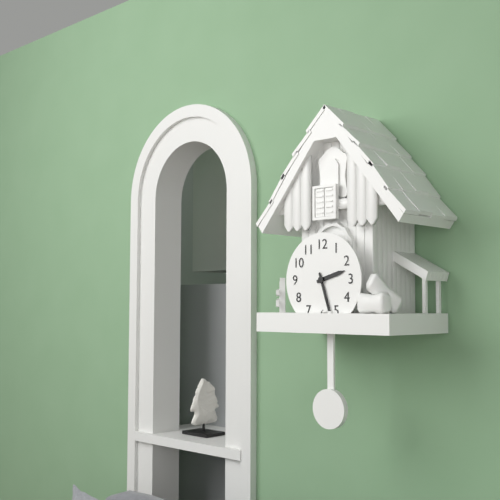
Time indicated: 2h27
